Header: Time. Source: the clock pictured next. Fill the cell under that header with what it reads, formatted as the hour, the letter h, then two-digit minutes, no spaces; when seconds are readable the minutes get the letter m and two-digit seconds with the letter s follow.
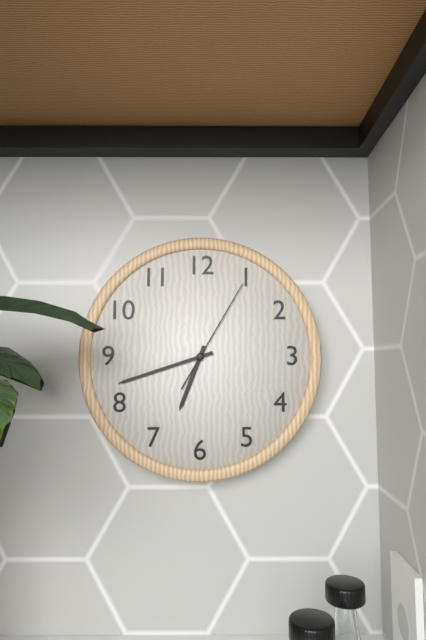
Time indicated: 6h42m05s
